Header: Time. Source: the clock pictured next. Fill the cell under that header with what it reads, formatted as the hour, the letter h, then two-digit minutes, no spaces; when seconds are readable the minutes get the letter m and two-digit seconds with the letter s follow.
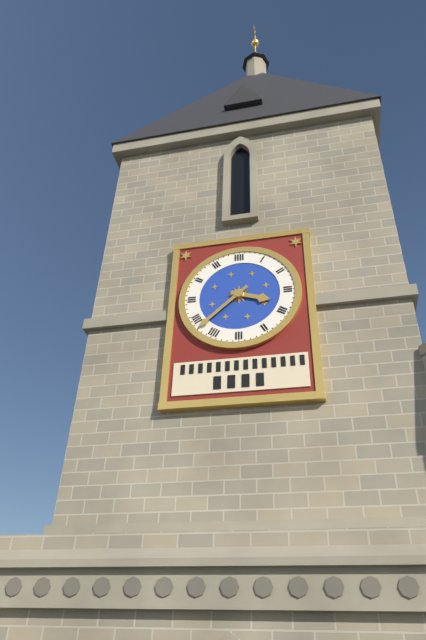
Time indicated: 3h38
